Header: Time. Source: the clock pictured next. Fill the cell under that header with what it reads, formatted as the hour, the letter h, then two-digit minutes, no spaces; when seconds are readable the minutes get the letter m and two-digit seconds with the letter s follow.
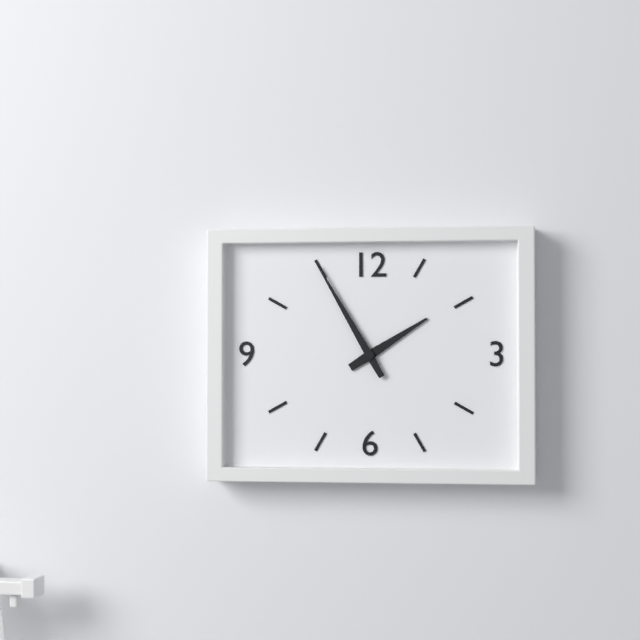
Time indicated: 1h55
